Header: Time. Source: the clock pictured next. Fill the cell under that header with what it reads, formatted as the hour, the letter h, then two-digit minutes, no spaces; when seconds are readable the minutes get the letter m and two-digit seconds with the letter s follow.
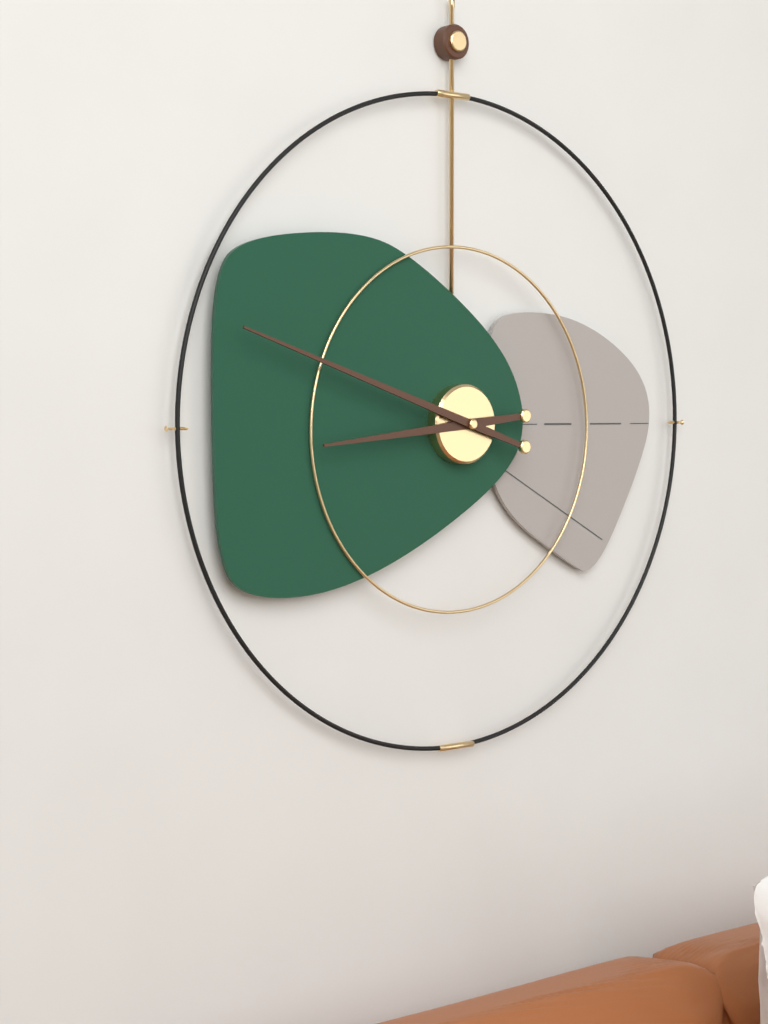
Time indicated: 8h48
